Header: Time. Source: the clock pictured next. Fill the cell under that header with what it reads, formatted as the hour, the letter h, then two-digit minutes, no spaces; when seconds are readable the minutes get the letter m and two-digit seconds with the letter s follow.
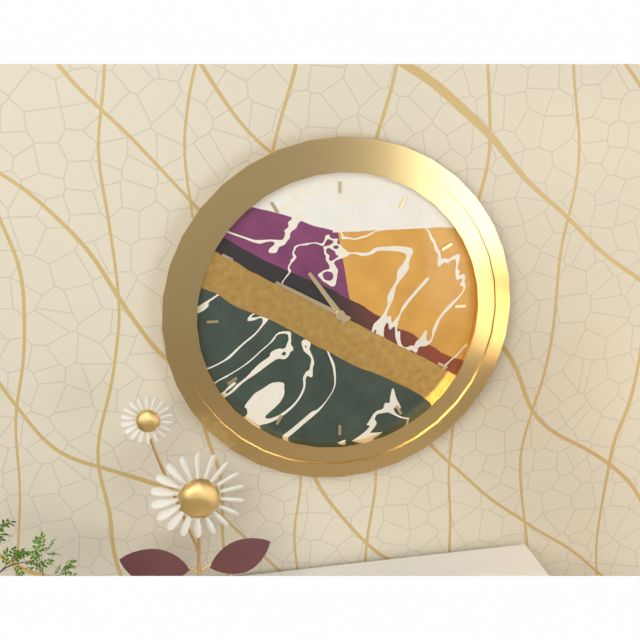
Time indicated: 10h50
